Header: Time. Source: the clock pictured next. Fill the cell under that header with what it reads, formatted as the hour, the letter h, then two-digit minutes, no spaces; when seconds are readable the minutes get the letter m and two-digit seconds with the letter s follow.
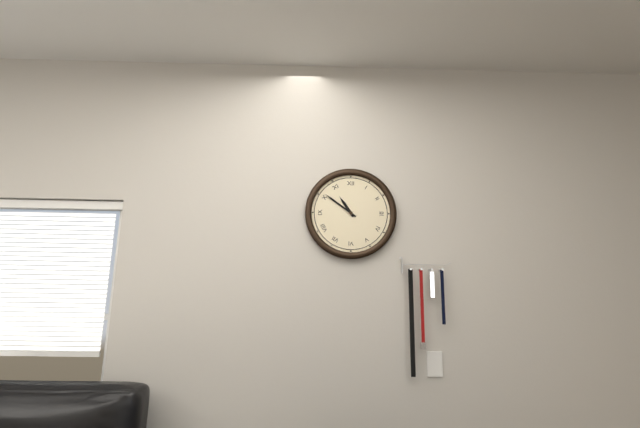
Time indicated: 10h51
